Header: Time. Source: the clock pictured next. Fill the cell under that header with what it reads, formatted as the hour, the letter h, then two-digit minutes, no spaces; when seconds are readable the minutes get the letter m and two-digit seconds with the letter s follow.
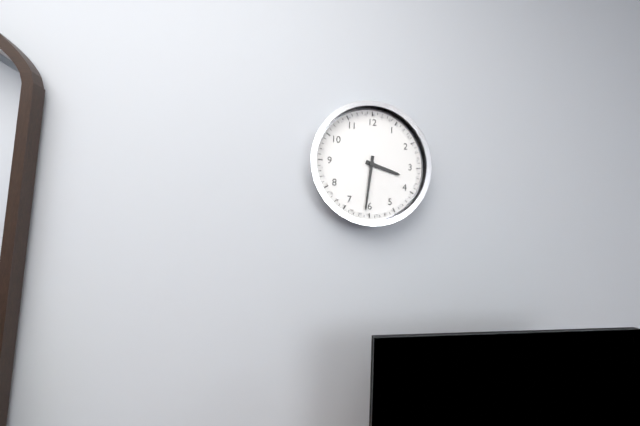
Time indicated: 3h31
